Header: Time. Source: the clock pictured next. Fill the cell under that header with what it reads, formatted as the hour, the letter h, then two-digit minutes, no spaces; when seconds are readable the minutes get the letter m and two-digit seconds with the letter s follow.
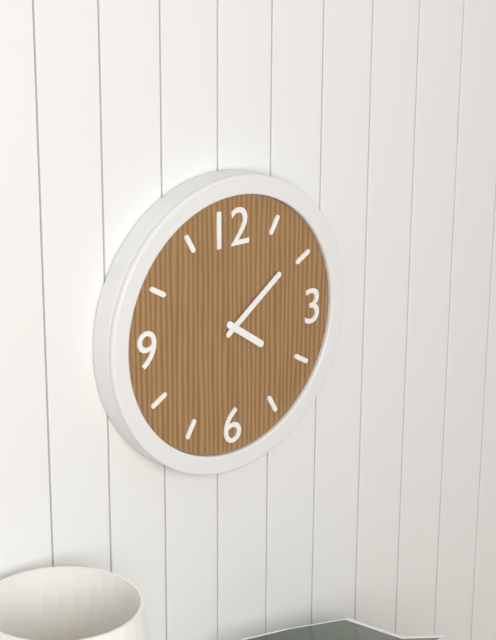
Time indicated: 4h09
